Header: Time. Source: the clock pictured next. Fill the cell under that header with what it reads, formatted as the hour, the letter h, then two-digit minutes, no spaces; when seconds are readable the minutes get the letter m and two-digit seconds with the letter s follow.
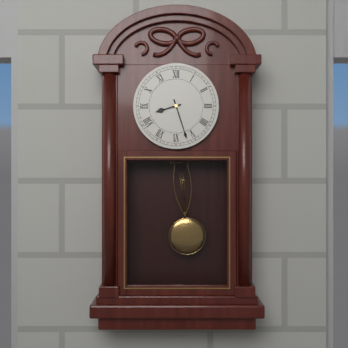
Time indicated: 8h27
